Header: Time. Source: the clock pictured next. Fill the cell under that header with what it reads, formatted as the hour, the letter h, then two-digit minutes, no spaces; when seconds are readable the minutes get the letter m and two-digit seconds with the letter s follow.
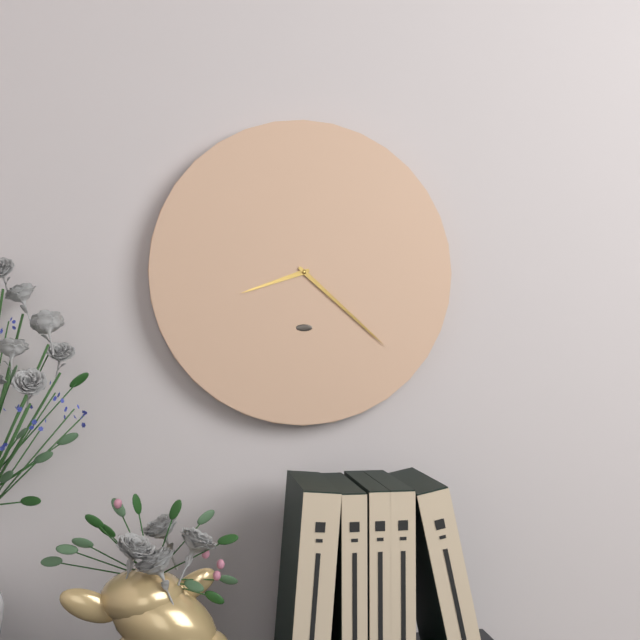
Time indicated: 8h22
